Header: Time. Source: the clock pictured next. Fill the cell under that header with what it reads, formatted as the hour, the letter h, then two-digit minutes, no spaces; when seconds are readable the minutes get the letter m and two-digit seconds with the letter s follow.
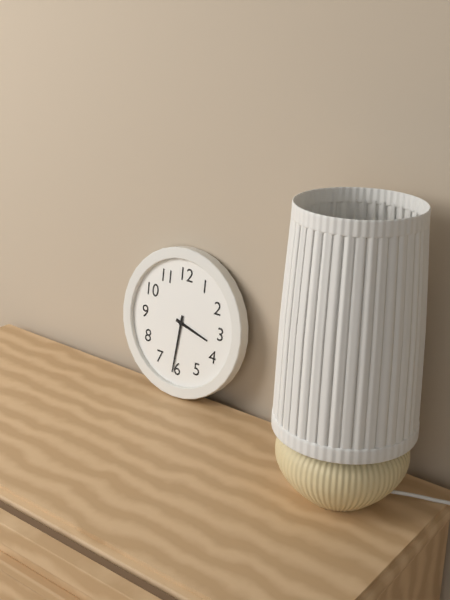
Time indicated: 3h31
